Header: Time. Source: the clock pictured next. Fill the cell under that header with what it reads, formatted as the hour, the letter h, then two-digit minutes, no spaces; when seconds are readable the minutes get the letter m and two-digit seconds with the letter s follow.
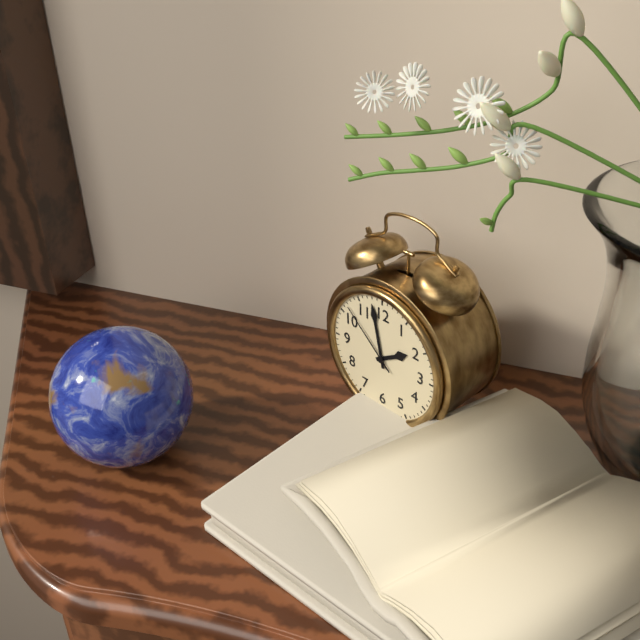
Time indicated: 1h58m52s
